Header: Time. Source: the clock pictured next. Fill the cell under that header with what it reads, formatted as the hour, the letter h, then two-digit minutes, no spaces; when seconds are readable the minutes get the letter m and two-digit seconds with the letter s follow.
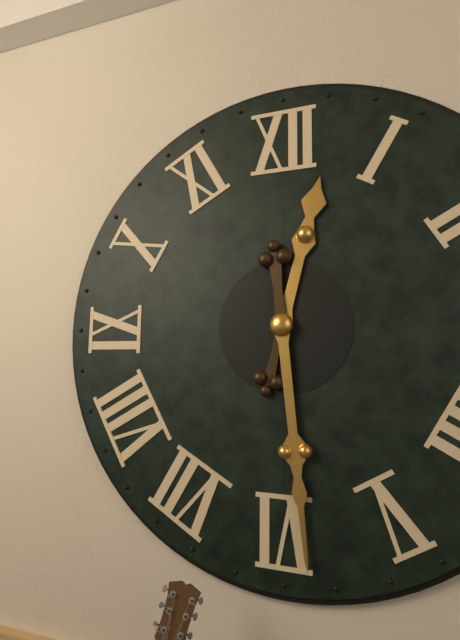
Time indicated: 12h29
